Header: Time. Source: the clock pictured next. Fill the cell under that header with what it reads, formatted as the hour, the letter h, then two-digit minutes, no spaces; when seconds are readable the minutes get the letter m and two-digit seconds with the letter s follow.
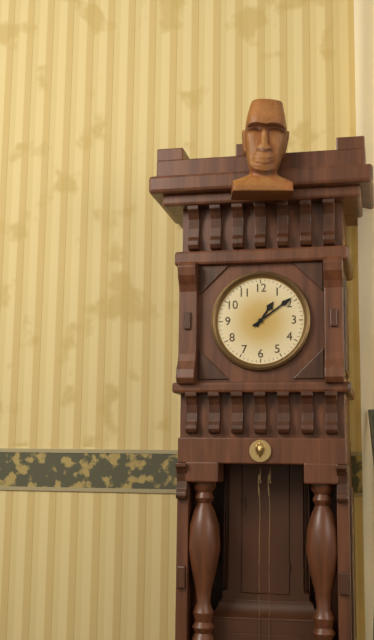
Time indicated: 1h09
